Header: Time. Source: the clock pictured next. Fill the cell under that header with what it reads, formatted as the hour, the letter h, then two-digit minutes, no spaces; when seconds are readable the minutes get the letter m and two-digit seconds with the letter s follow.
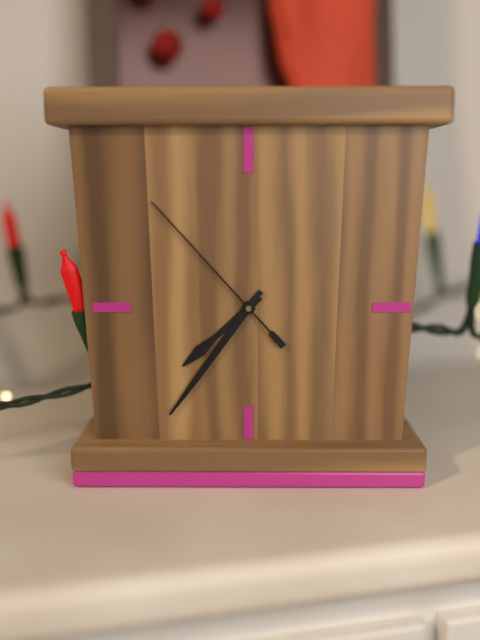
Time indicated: 7h36m53s
